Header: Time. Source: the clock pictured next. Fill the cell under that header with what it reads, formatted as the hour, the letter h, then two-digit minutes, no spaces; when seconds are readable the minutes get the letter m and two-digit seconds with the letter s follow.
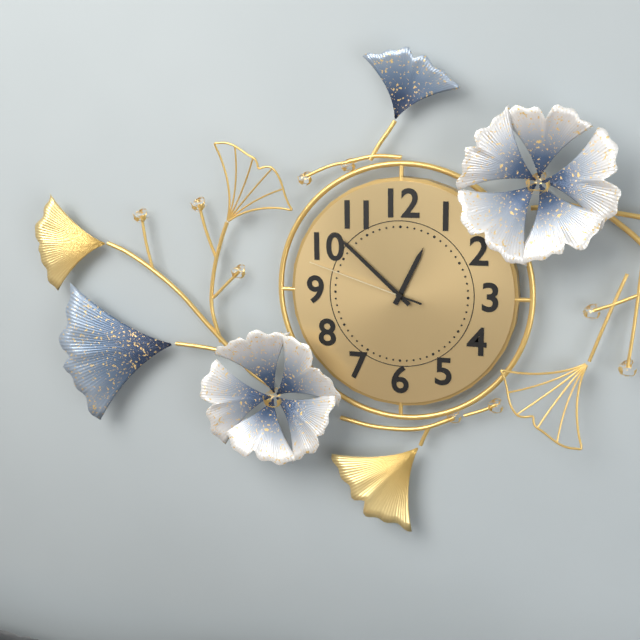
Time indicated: 12h52m48s
